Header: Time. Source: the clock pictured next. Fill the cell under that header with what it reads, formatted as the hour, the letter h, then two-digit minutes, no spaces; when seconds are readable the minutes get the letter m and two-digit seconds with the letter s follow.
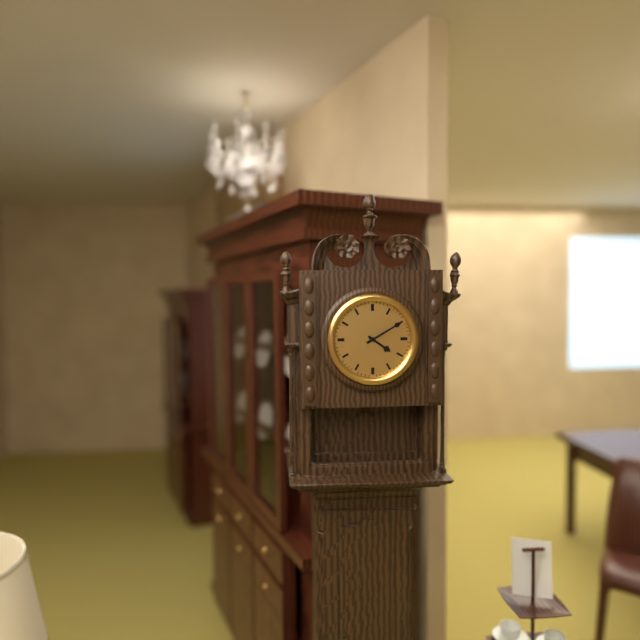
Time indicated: 4h10
